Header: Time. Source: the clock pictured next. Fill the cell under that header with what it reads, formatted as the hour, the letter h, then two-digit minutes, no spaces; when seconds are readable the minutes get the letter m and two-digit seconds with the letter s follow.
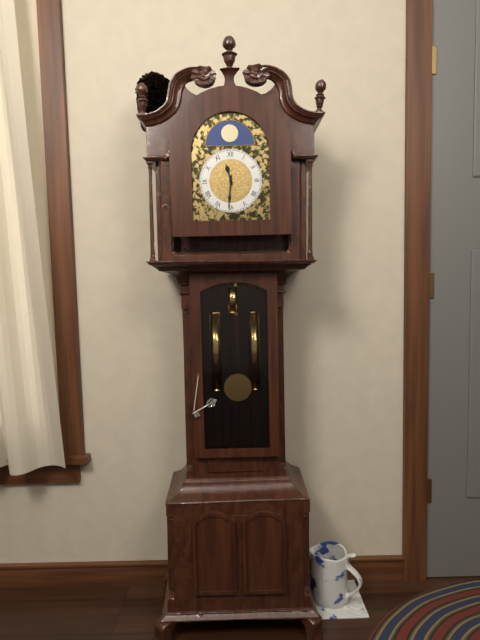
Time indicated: 11h31
